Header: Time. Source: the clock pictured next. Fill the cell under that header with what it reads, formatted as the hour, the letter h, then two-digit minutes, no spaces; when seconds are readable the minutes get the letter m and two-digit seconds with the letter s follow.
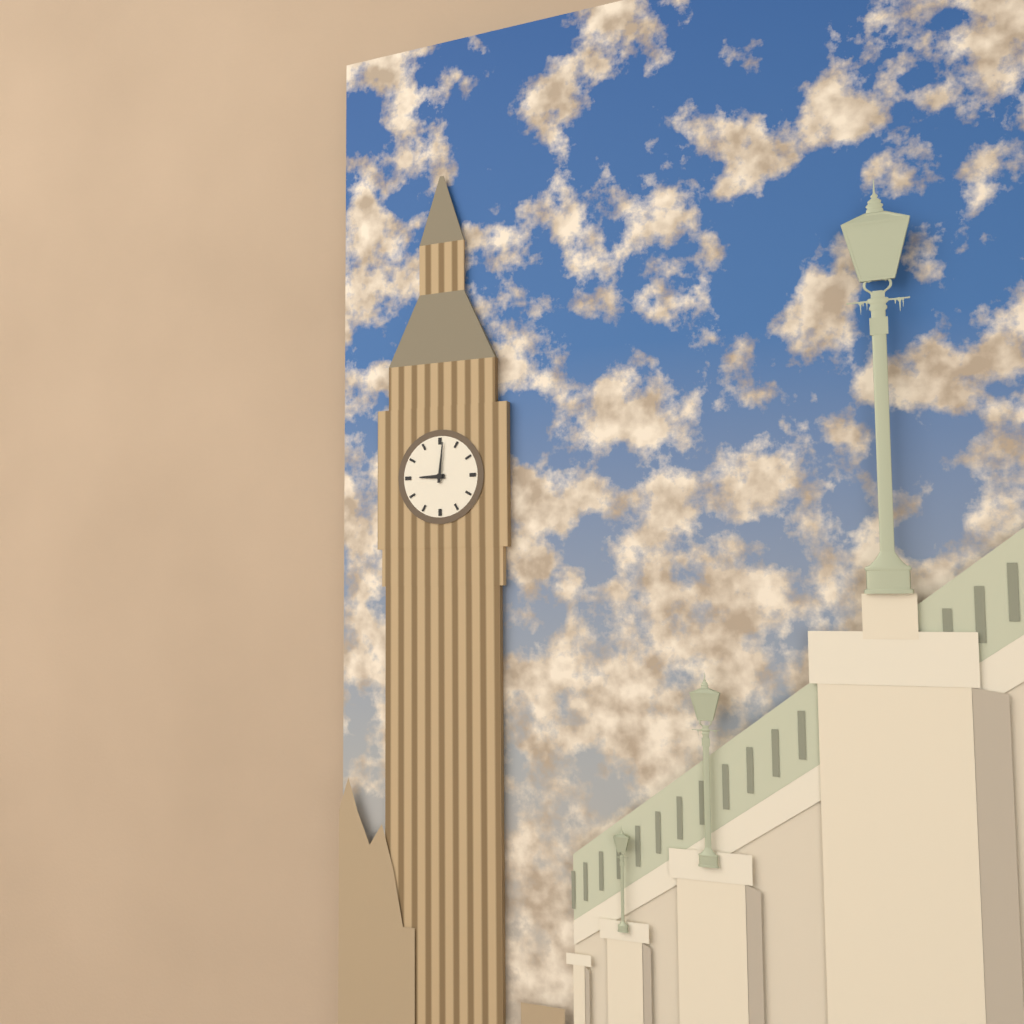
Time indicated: 9h01
